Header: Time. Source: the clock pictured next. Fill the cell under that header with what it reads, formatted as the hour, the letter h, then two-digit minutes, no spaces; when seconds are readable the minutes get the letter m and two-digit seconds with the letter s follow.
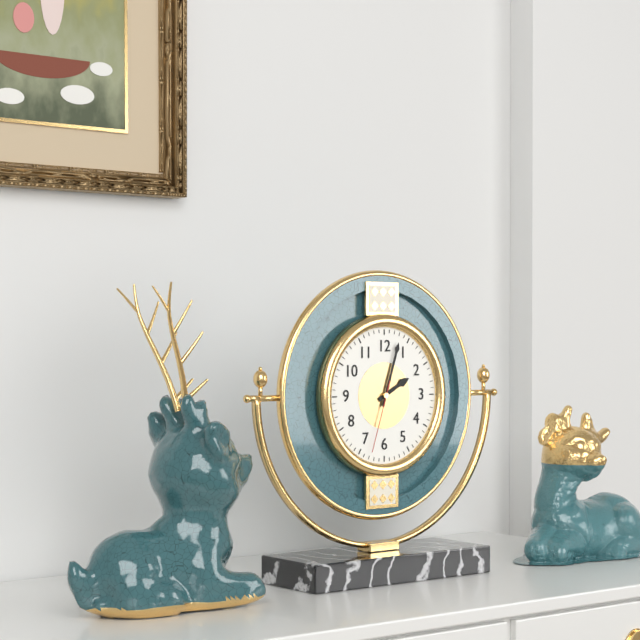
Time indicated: 2h03m33s
